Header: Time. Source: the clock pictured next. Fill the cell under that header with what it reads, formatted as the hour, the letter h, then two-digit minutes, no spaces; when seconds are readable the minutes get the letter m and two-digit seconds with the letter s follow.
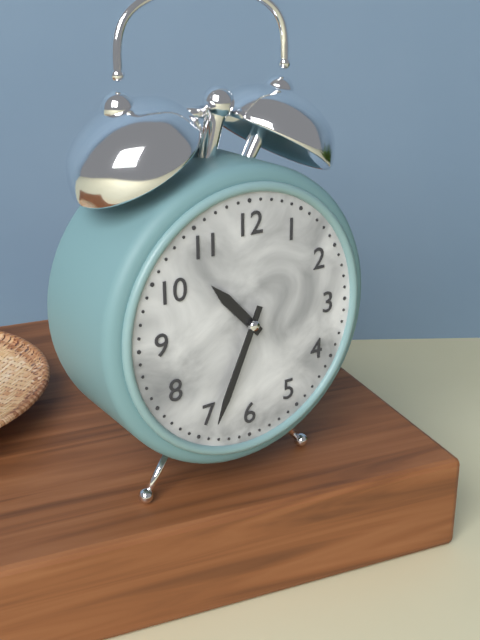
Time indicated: 10h34
